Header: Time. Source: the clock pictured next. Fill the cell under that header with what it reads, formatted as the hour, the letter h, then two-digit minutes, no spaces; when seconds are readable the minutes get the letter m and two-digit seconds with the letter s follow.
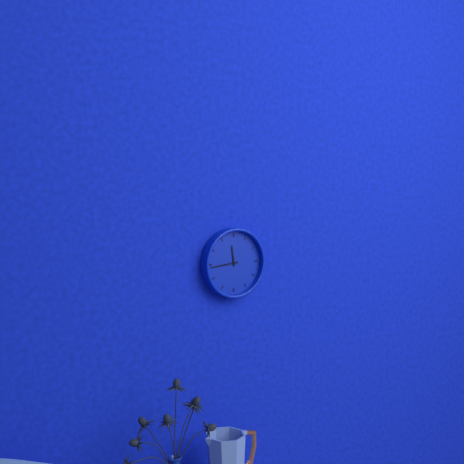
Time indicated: 11h44
